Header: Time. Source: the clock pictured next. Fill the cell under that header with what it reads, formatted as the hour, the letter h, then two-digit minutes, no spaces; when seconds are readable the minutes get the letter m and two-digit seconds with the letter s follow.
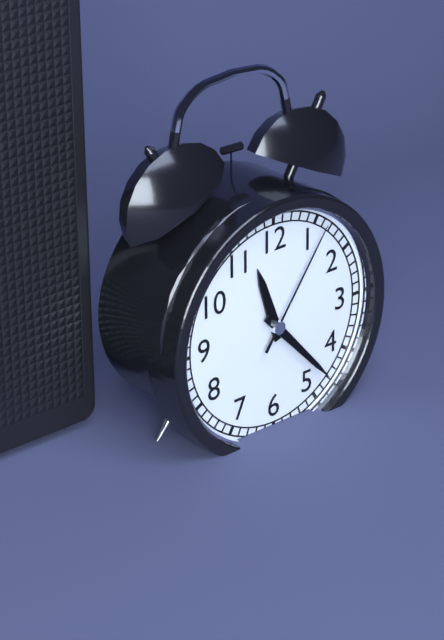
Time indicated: 11h23m06s
